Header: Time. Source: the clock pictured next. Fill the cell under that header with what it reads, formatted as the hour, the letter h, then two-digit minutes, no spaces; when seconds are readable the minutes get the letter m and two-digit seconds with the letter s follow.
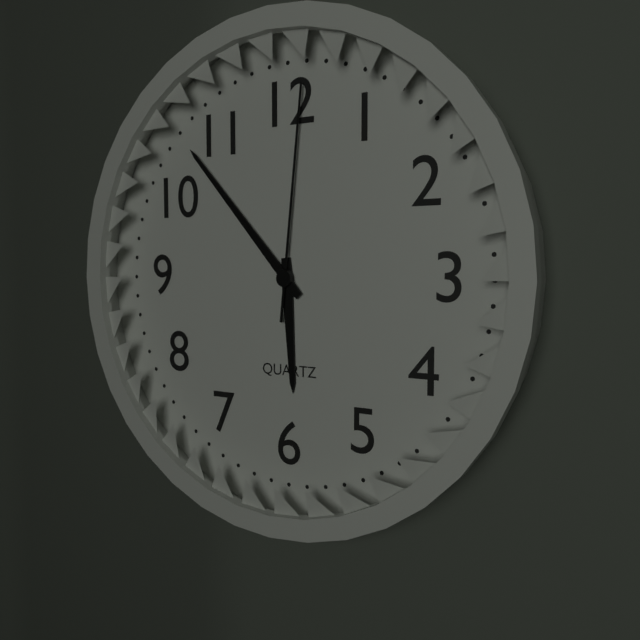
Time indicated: 5h53m01s
